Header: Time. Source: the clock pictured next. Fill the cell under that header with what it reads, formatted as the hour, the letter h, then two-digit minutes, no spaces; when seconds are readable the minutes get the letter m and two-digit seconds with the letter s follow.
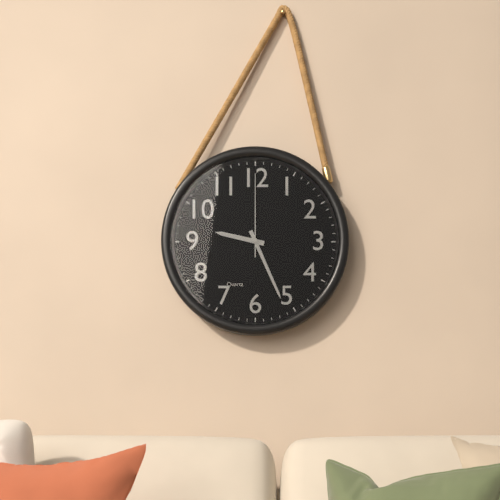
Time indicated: 9h26m00s
